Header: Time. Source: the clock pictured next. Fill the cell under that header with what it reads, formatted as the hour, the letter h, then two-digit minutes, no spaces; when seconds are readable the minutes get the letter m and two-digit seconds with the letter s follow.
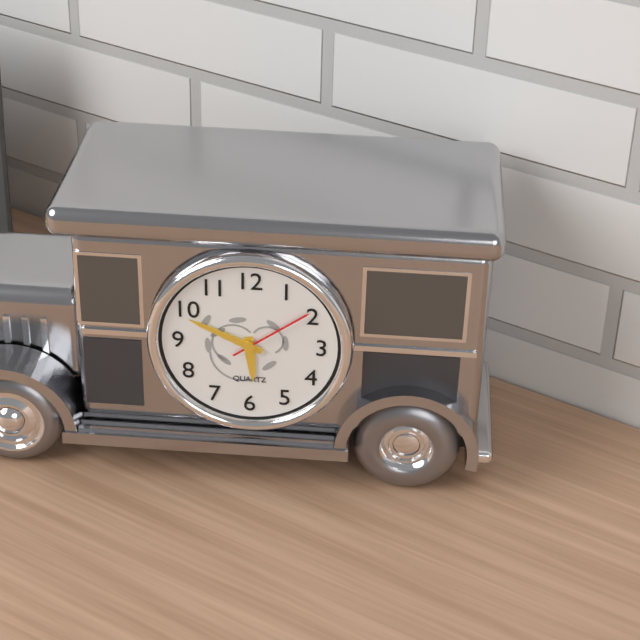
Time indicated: 5h49m09s
